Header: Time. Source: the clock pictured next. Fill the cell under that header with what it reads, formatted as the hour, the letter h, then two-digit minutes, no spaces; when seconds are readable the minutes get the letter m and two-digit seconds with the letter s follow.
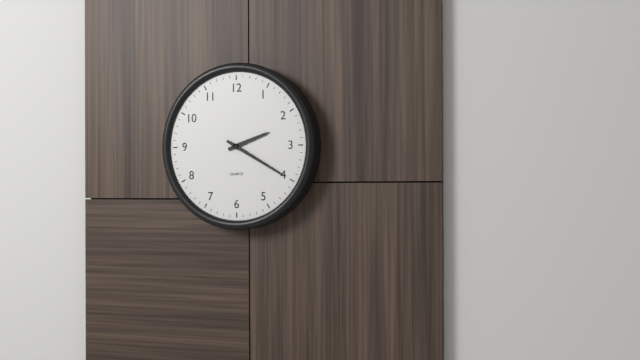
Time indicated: 2h20
